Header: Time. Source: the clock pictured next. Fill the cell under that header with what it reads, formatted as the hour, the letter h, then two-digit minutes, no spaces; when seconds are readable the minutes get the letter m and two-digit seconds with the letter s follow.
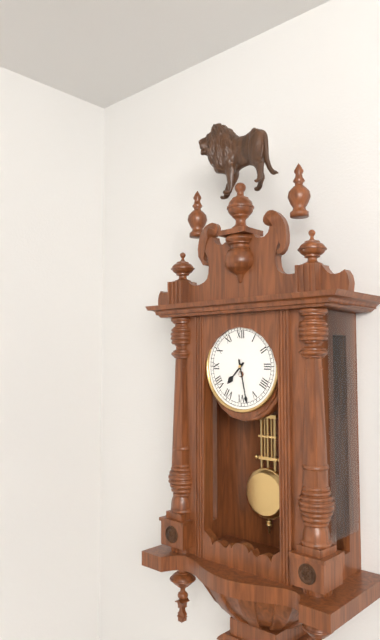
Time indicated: 7h28
